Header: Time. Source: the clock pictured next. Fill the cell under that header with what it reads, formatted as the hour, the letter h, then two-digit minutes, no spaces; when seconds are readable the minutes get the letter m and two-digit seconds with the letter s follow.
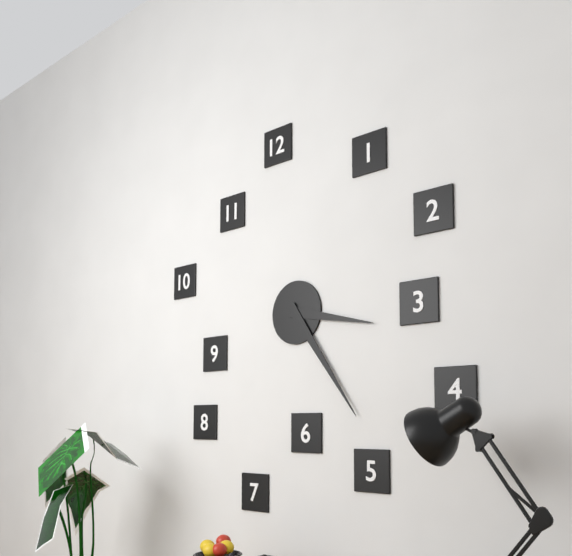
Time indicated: 3h24
